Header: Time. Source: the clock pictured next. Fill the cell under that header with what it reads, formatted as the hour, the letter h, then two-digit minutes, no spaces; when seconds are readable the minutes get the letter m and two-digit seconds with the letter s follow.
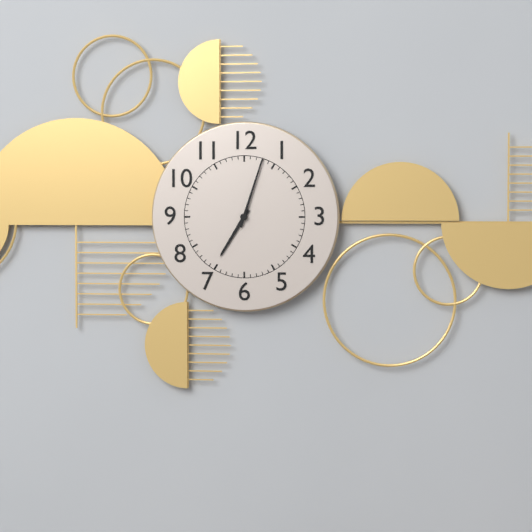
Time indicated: 7h03
